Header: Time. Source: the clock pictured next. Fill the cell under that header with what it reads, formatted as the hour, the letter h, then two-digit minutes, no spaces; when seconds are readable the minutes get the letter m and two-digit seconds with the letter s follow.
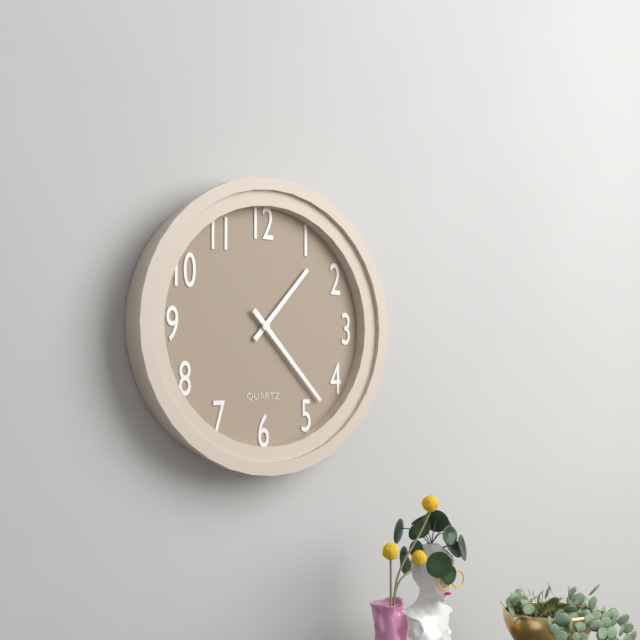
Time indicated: 1h23
